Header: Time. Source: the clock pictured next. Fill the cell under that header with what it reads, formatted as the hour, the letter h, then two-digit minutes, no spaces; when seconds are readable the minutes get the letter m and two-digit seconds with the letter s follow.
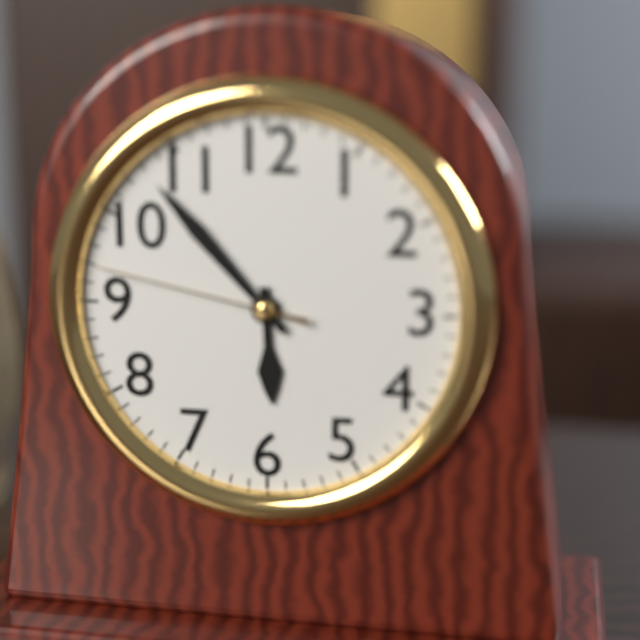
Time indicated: 5h53m47s
